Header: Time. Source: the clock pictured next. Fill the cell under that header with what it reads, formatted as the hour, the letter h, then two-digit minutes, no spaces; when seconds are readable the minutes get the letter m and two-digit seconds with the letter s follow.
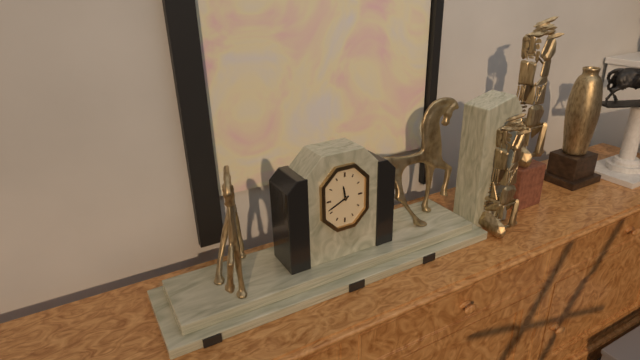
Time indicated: 11h41
